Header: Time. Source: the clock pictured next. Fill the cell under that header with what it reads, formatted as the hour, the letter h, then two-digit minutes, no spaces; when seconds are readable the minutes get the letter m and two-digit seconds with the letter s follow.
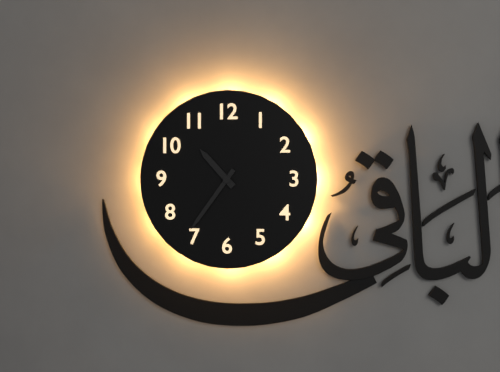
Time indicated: 10h36
